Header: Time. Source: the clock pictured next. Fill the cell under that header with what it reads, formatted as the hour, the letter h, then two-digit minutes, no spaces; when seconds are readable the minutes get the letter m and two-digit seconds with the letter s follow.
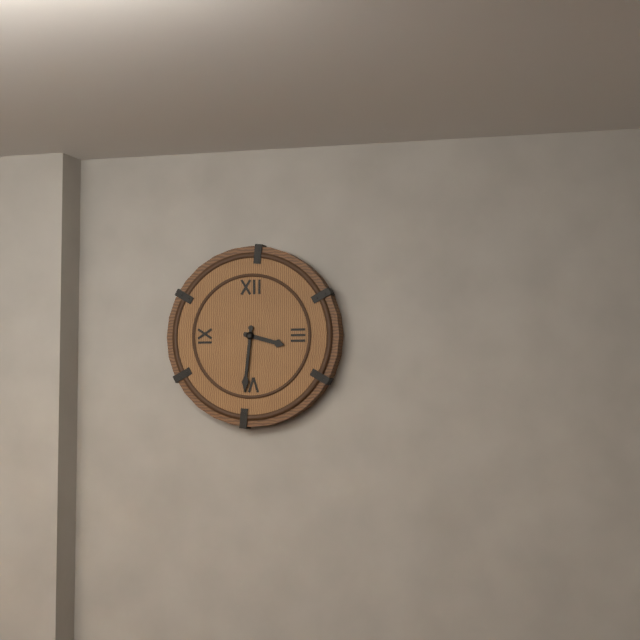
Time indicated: 3h31
